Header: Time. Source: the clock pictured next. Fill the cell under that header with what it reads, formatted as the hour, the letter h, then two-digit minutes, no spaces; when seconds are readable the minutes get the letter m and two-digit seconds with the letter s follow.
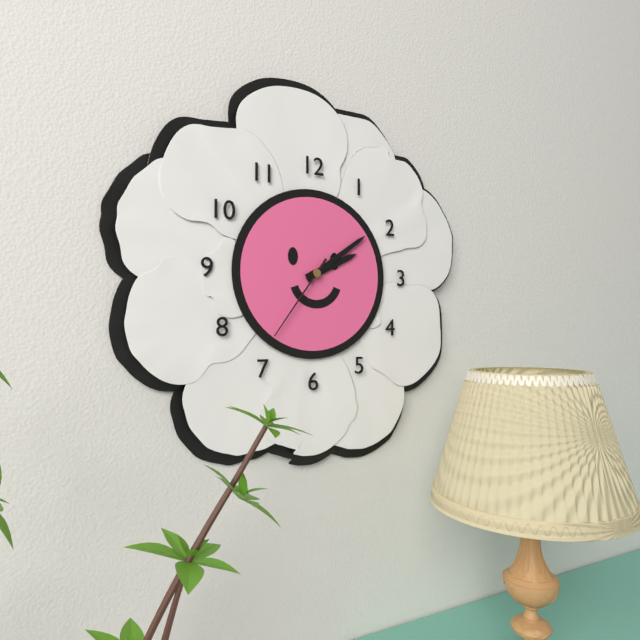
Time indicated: 2h09m36s
